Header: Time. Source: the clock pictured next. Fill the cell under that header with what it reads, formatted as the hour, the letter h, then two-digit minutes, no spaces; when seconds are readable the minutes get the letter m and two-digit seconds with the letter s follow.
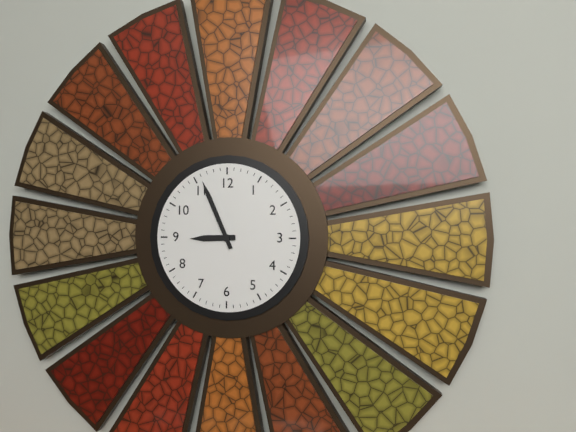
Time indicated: 8h56
